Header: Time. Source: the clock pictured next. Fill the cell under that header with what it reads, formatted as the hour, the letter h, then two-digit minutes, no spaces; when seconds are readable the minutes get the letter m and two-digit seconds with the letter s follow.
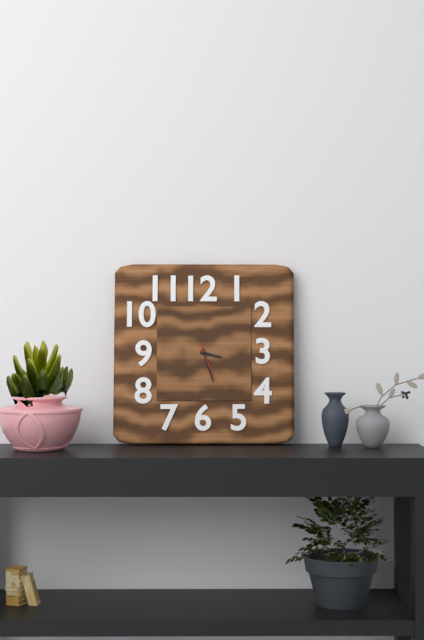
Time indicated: 3h27
